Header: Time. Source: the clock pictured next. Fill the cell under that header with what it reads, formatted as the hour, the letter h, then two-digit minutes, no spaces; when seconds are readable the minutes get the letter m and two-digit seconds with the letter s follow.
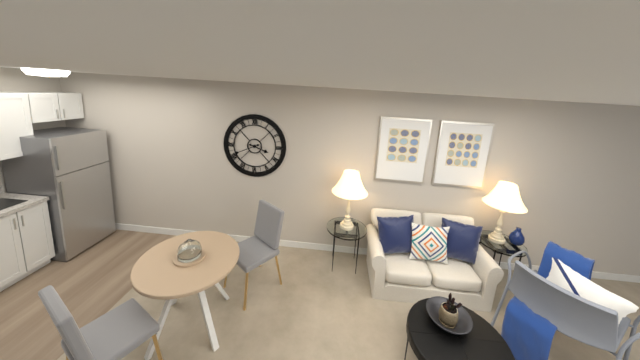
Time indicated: 3h41
